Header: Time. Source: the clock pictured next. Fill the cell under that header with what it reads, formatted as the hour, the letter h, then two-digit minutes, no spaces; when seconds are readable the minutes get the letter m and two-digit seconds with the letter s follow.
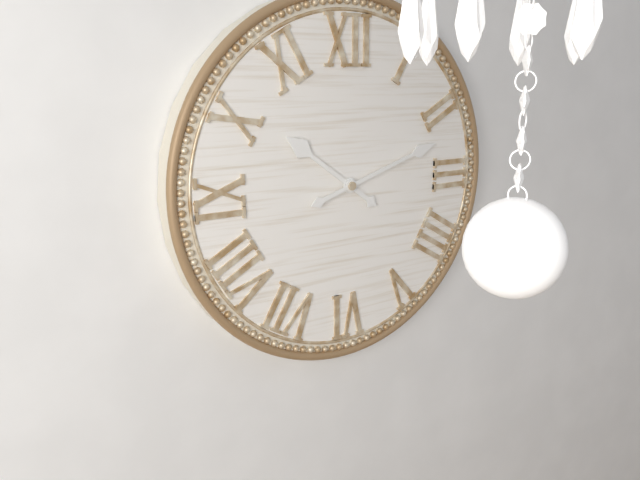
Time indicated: 10h12
